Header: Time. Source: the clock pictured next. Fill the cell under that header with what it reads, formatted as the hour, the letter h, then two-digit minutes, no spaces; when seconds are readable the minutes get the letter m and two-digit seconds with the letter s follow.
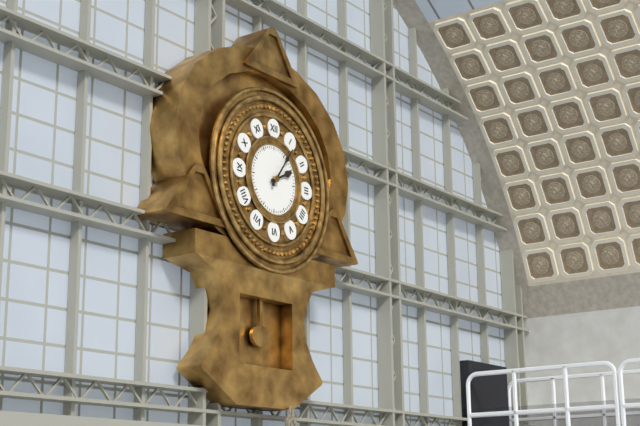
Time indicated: 2h06
